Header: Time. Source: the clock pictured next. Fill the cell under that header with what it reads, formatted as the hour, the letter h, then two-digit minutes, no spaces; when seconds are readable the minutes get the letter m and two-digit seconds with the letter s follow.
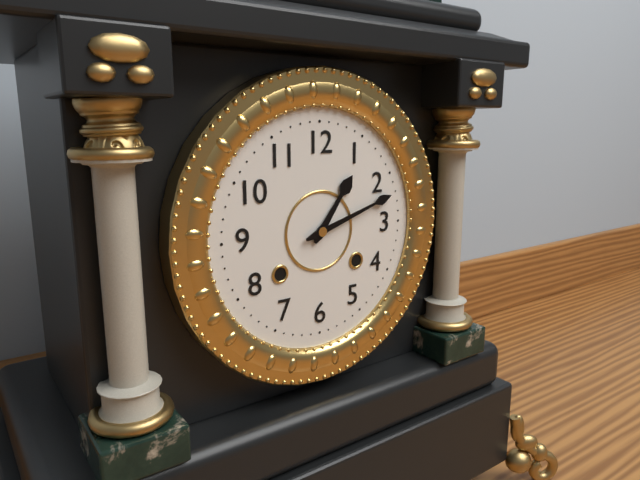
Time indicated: 1h12
